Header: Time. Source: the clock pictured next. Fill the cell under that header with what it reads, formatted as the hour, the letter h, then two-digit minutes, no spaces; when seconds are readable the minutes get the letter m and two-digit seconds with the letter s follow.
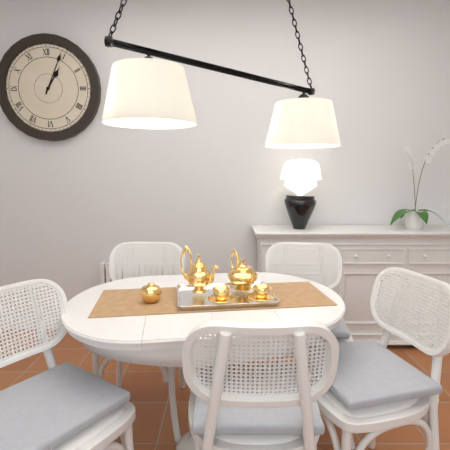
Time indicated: 1h04
